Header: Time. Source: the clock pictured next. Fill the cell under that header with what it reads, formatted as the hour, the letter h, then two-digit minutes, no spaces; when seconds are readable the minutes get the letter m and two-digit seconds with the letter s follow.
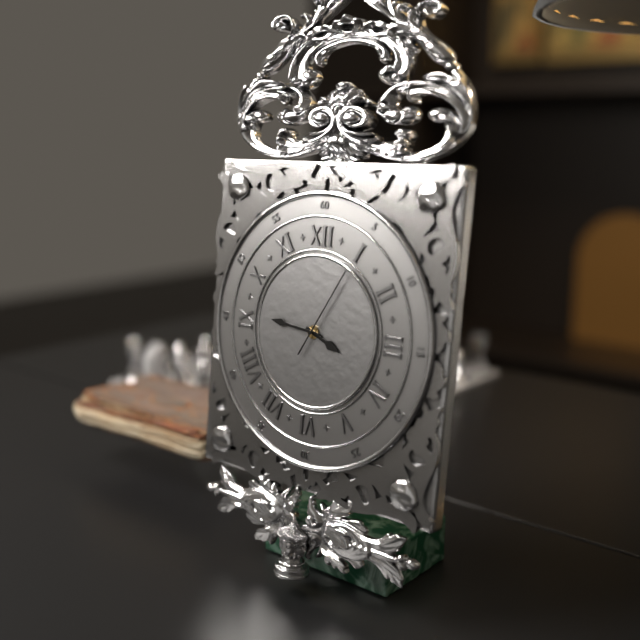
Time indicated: 3h46m05s
